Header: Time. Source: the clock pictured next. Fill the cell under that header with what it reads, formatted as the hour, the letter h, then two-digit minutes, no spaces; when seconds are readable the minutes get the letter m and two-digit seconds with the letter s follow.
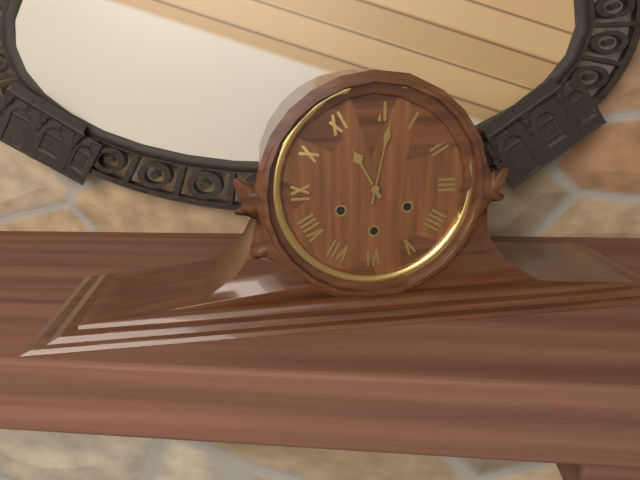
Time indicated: 11h02
